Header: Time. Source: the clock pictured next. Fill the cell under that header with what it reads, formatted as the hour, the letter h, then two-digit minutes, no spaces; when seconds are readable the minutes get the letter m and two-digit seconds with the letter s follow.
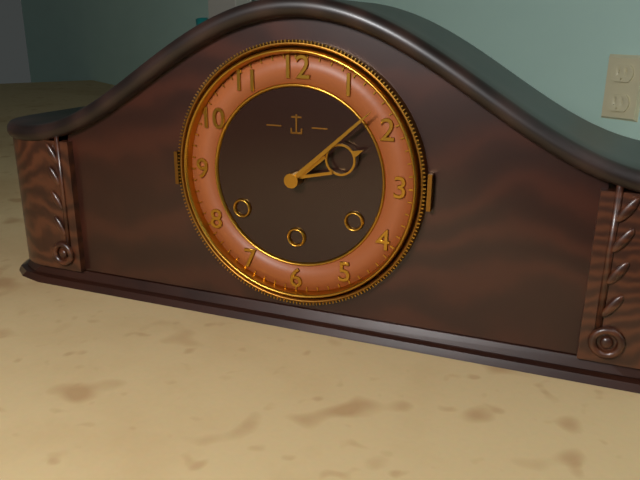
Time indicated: 2h08
